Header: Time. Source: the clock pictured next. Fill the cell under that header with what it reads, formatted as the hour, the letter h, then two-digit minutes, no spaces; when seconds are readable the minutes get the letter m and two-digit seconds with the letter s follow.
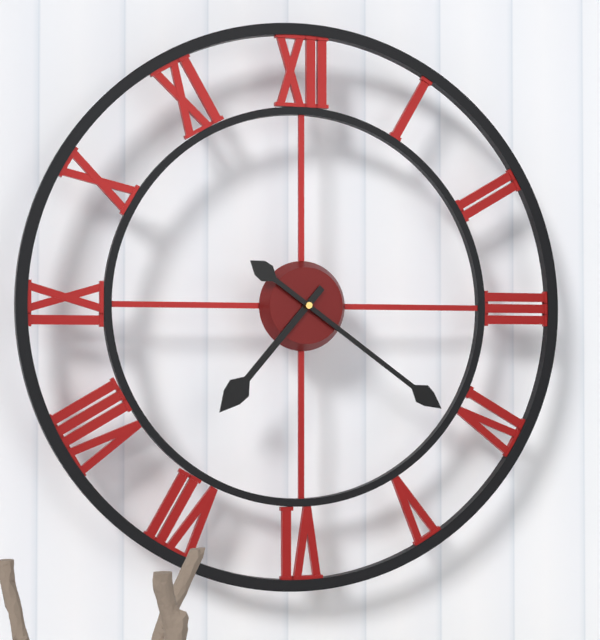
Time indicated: 7h21
